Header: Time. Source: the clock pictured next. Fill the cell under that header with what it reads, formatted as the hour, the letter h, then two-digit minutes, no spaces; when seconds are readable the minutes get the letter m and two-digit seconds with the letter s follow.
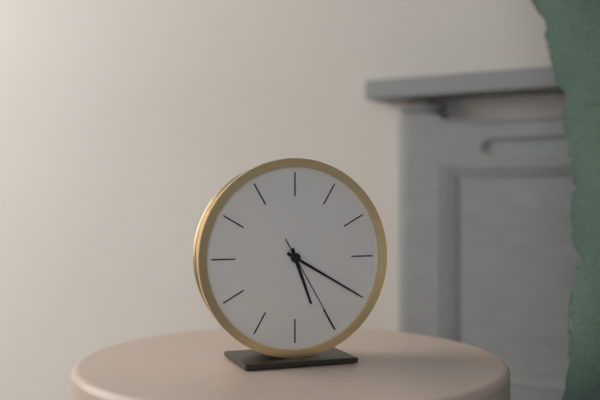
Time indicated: 5h20m25s
